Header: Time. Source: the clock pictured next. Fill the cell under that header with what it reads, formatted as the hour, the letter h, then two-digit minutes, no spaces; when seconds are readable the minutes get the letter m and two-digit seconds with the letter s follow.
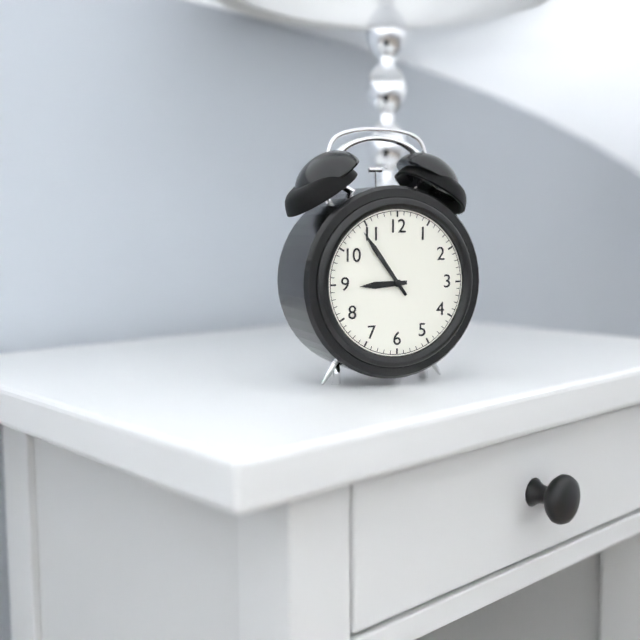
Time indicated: 8h54
